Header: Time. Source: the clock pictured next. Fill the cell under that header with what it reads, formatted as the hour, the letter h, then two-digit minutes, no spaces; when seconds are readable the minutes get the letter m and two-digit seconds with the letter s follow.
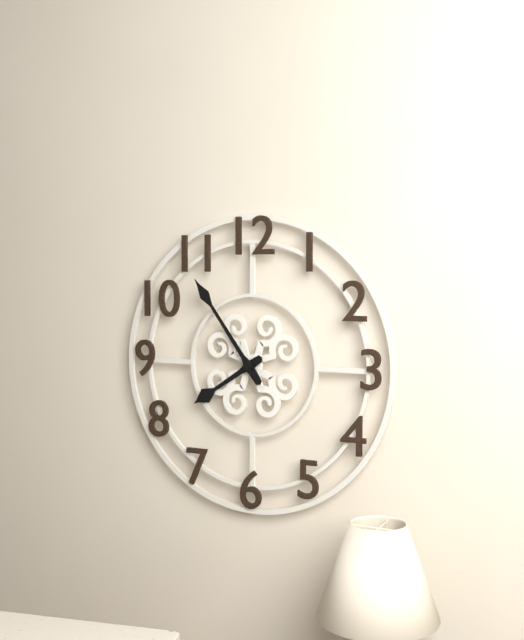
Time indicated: 7h54
